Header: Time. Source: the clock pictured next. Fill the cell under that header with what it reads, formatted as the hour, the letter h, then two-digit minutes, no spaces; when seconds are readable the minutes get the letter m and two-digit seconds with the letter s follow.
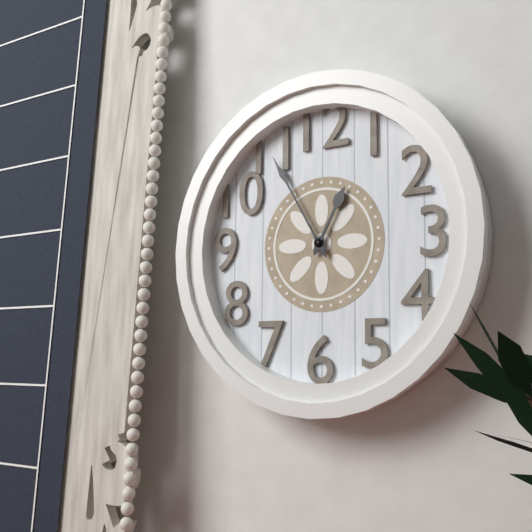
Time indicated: 12h55
